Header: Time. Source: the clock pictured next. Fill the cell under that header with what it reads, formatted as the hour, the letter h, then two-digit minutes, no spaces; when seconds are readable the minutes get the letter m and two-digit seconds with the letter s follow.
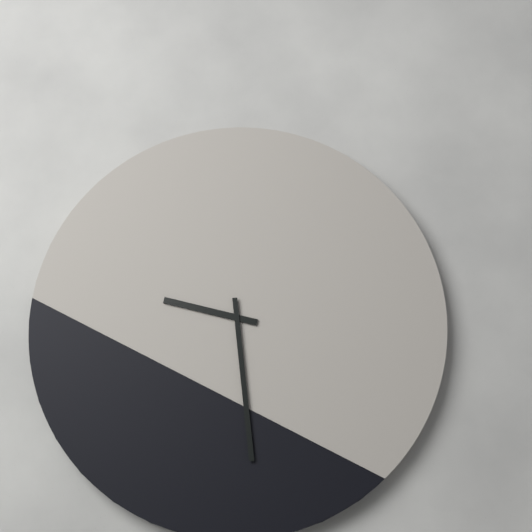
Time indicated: 9h29
